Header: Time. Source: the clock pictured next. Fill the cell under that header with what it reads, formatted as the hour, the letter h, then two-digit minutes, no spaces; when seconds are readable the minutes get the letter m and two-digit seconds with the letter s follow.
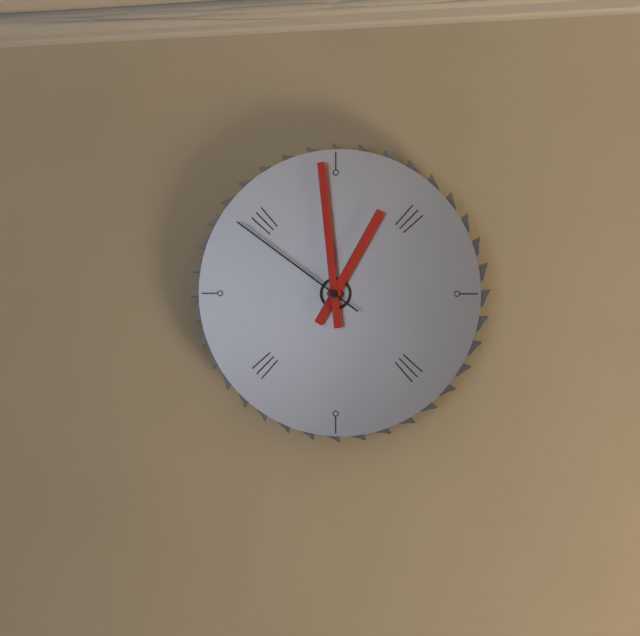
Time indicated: 12h59m51s
